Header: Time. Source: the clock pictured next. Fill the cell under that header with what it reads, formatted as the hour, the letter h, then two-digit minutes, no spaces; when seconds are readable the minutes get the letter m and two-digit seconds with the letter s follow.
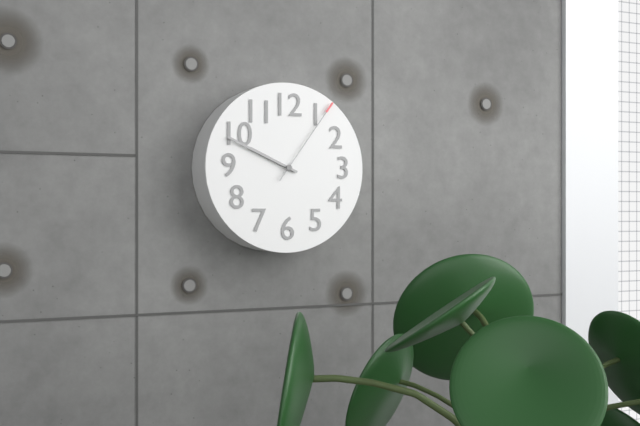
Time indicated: 9h49m06s
